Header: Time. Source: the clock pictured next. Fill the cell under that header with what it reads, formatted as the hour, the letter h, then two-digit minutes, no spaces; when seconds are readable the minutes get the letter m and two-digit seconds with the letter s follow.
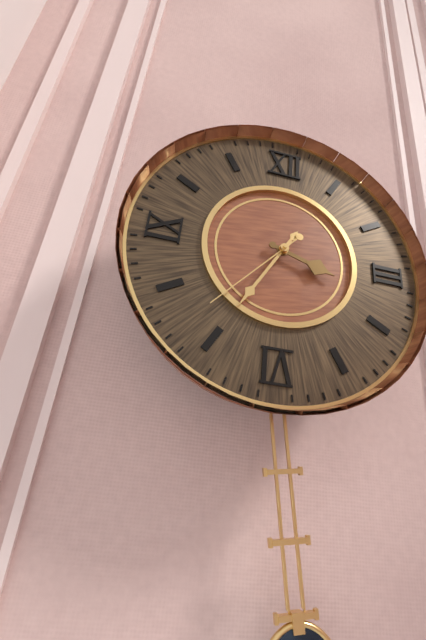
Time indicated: 3h35m37s
